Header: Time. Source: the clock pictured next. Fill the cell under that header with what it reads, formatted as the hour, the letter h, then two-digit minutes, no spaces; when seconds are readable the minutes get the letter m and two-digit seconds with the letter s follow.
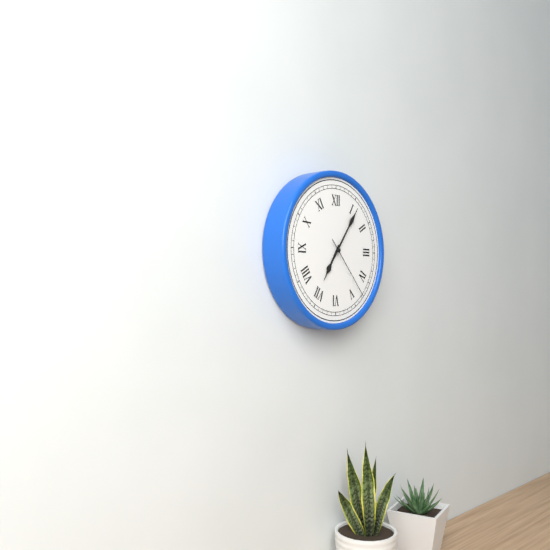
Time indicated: 7h06m23s
